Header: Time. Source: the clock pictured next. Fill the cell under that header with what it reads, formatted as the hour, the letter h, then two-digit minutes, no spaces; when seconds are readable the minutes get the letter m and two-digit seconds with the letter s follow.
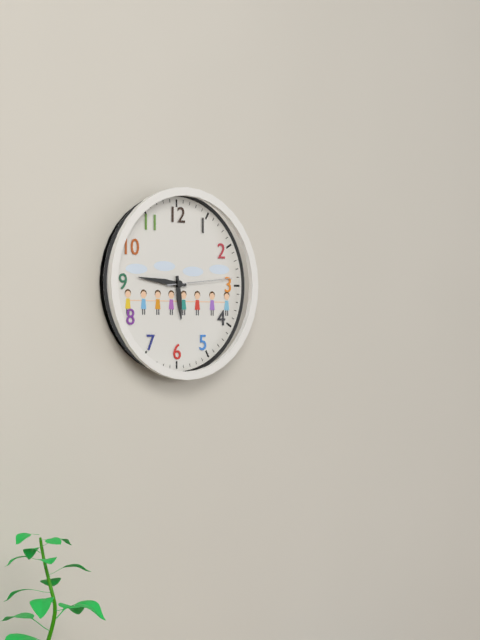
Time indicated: 5h46m14s
